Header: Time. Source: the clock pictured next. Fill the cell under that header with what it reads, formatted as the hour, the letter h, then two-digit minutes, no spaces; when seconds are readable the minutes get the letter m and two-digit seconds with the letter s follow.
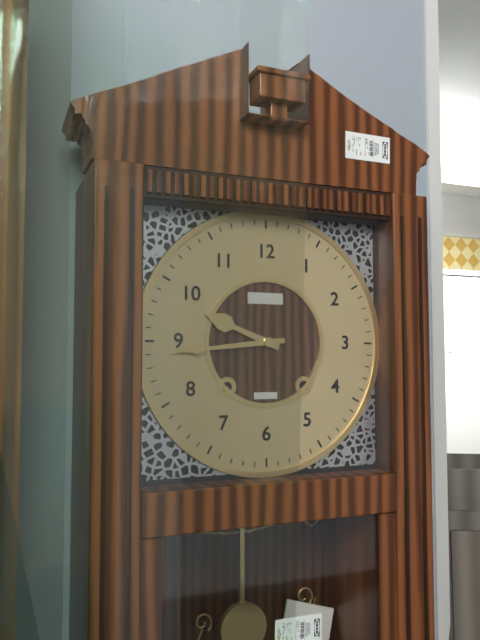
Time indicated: 9h44
